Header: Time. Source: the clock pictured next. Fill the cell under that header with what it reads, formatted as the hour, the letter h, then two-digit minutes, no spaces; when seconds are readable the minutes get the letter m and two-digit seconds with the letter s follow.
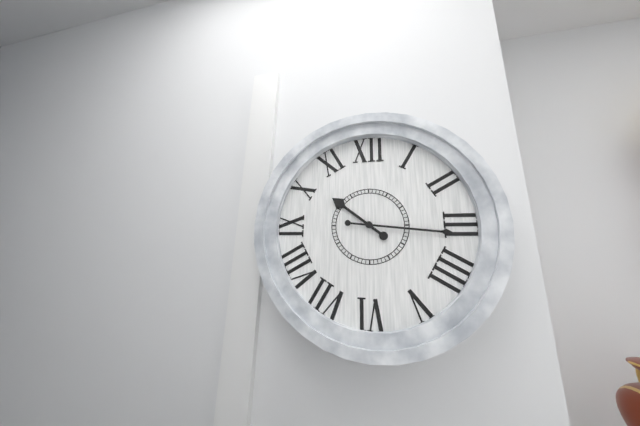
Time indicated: 10h16
